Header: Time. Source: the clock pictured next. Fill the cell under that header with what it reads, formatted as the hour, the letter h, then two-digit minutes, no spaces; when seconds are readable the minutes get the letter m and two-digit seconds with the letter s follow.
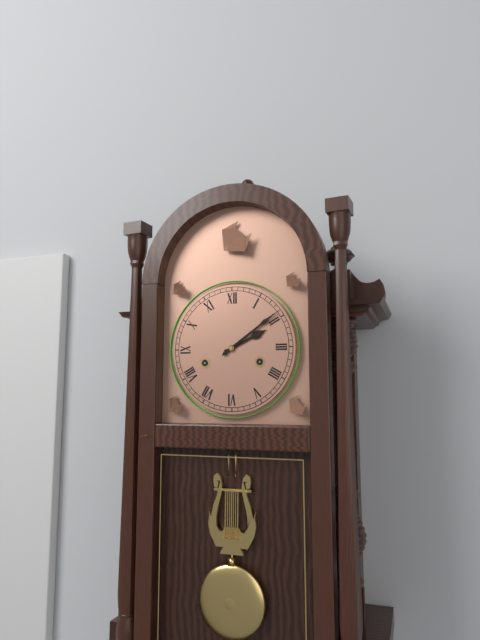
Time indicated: 2h09
